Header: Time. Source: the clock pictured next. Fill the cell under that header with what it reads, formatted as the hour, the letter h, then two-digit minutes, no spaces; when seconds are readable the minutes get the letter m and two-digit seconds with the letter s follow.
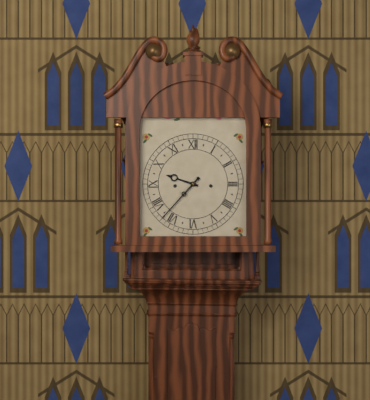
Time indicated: 9h37
